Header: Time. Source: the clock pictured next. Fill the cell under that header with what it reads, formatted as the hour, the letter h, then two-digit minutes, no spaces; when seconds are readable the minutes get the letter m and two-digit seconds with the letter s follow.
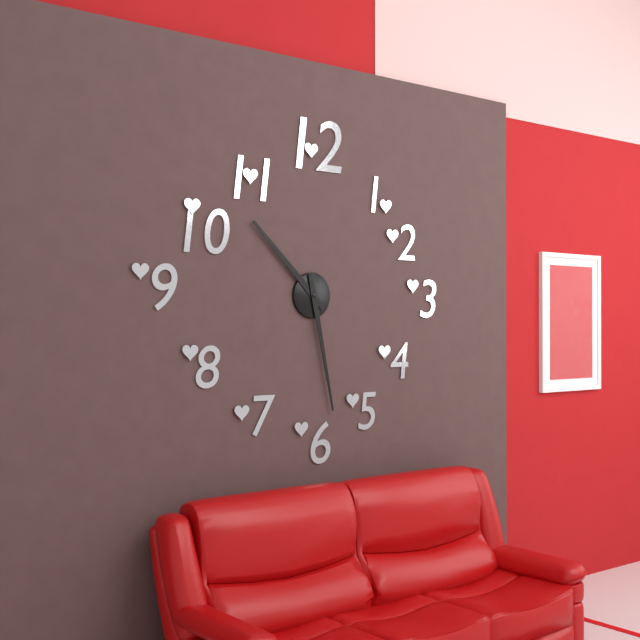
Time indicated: 10h28
